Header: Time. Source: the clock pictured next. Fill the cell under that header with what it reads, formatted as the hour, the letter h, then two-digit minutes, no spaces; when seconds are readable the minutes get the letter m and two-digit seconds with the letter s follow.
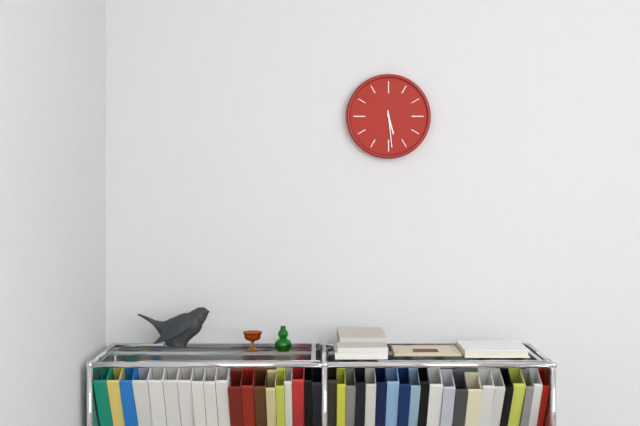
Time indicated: 5h29
